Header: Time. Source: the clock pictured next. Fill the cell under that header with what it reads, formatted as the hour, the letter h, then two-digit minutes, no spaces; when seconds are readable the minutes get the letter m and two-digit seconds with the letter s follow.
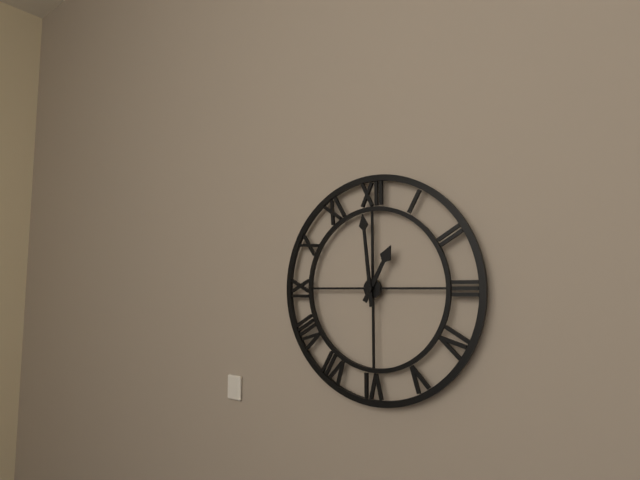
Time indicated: 12h59
